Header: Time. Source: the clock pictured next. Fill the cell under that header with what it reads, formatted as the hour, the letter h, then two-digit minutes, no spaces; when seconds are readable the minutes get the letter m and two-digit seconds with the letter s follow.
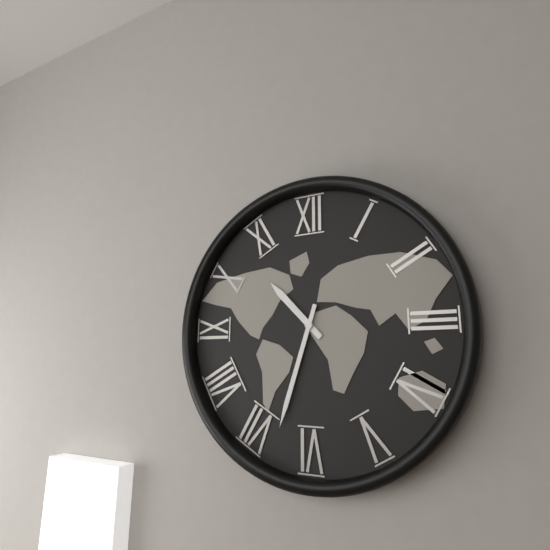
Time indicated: 10h33
